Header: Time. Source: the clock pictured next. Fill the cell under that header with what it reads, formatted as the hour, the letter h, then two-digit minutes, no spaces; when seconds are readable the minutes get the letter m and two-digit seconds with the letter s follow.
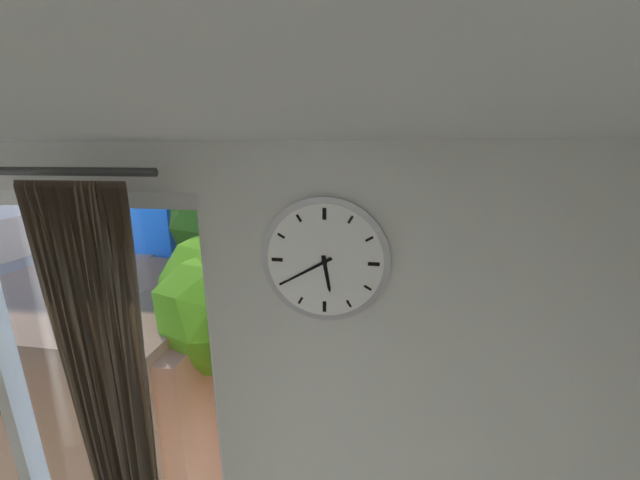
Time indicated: 5h40
